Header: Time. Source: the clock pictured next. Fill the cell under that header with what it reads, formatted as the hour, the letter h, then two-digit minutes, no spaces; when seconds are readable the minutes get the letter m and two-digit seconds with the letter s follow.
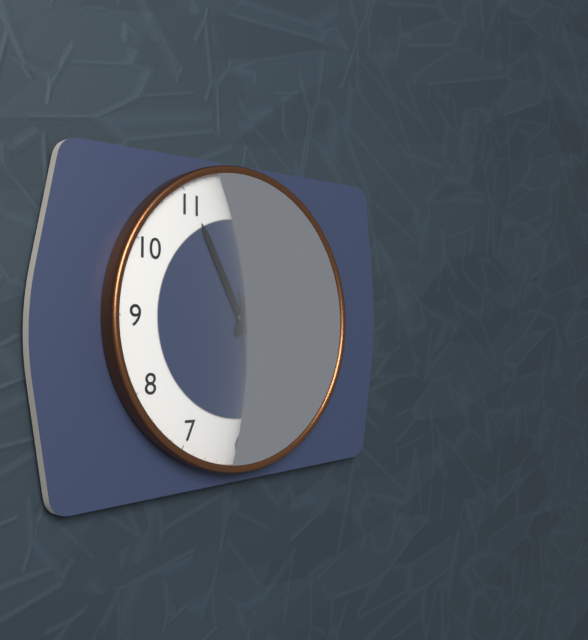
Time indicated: 11h03m29s
